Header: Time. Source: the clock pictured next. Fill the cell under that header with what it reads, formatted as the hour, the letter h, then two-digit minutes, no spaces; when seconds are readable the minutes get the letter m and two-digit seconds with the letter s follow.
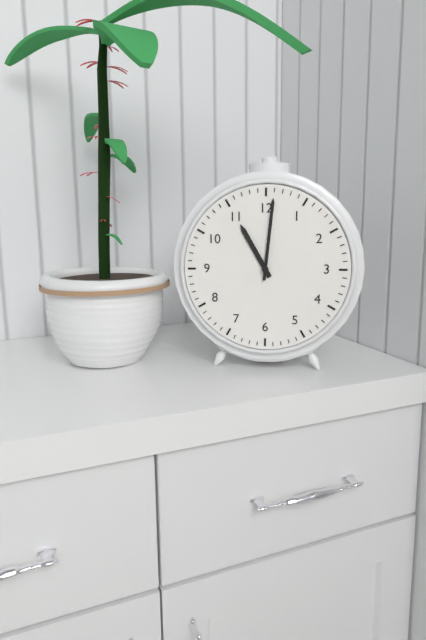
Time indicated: 11h01
